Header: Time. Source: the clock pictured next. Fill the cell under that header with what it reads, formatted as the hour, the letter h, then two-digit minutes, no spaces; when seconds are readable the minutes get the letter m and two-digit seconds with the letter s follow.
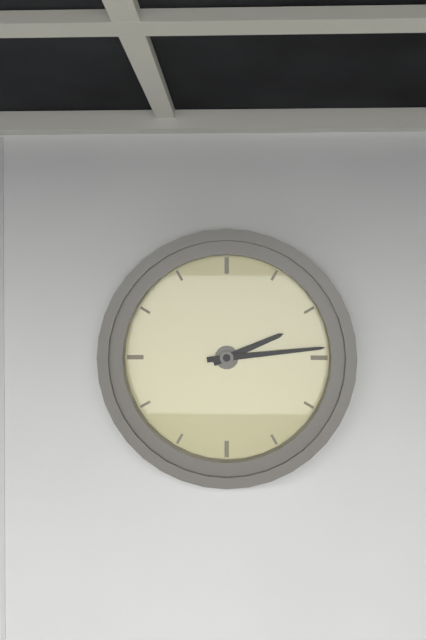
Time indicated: 2h14
